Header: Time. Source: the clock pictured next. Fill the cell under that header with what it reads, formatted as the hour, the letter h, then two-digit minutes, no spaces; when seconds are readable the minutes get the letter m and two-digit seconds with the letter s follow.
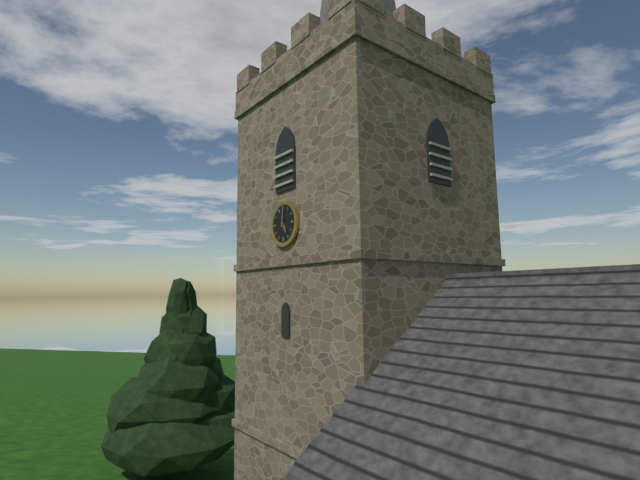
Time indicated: 5h01
